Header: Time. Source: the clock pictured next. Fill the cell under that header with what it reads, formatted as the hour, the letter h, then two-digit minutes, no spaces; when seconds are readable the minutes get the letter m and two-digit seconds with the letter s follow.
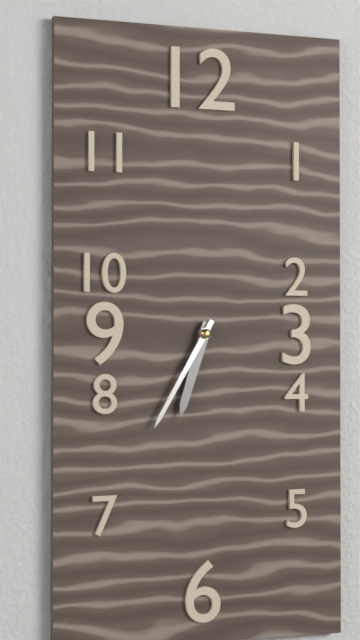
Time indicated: 6h35
